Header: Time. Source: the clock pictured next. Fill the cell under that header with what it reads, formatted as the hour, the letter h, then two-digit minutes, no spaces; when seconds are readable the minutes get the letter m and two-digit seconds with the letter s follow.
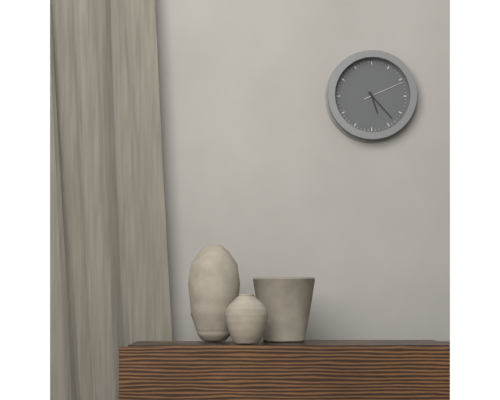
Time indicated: 5h23
